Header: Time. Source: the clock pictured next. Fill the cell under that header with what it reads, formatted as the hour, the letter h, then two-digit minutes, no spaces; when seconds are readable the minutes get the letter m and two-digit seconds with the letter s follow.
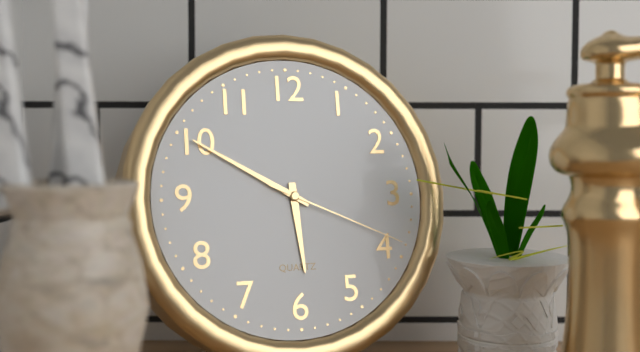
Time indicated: 5h50m19s
